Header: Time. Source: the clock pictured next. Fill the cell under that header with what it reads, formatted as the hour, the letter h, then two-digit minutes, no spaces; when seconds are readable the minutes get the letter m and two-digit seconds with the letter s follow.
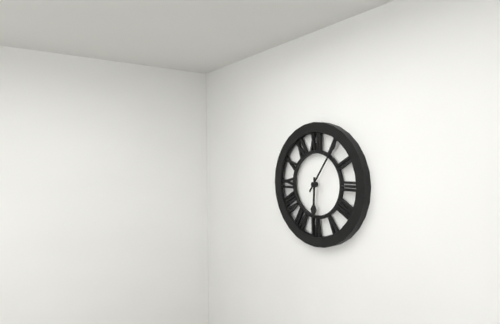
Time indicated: 6h06
